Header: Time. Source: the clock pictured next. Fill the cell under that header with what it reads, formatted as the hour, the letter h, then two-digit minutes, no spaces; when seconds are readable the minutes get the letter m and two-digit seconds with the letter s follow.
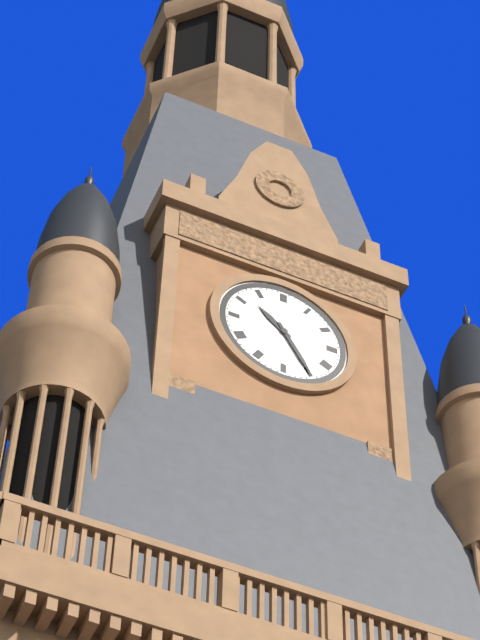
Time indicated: 10h25
